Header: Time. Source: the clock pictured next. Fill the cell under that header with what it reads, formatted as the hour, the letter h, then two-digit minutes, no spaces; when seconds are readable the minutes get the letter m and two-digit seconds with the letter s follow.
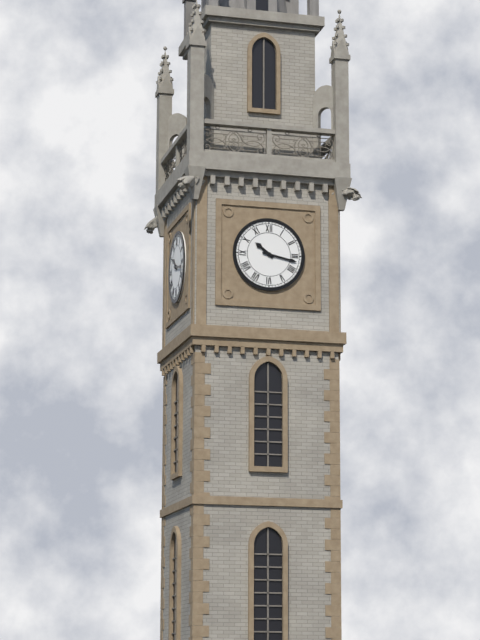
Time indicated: 10h17
